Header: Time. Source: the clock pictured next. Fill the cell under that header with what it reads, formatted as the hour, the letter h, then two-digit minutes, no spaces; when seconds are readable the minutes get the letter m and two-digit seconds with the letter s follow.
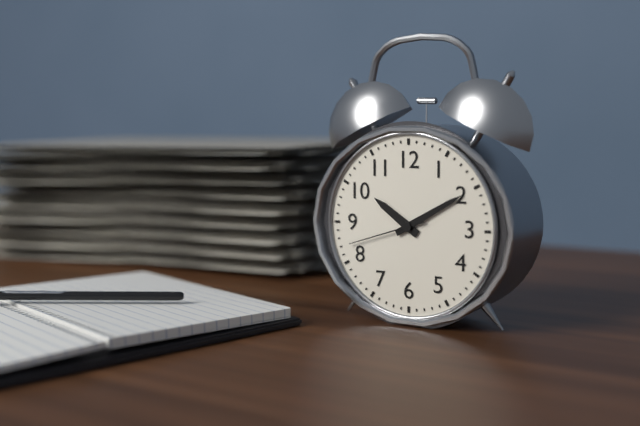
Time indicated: 10h10m42s
